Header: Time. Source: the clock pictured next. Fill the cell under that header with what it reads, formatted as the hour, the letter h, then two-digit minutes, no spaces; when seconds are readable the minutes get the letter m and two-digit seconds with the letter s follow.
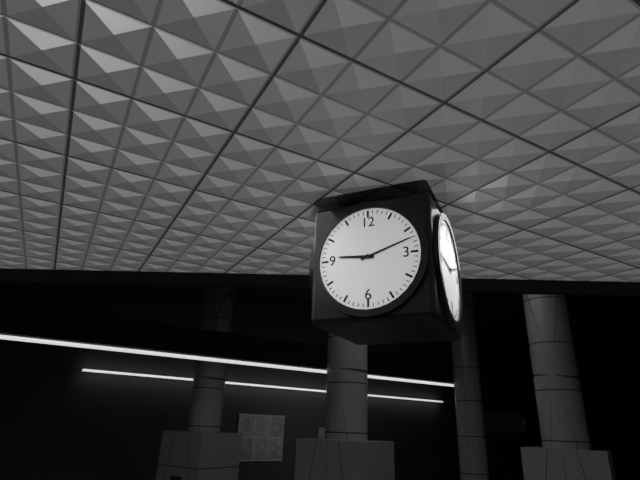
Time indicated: 9h12
